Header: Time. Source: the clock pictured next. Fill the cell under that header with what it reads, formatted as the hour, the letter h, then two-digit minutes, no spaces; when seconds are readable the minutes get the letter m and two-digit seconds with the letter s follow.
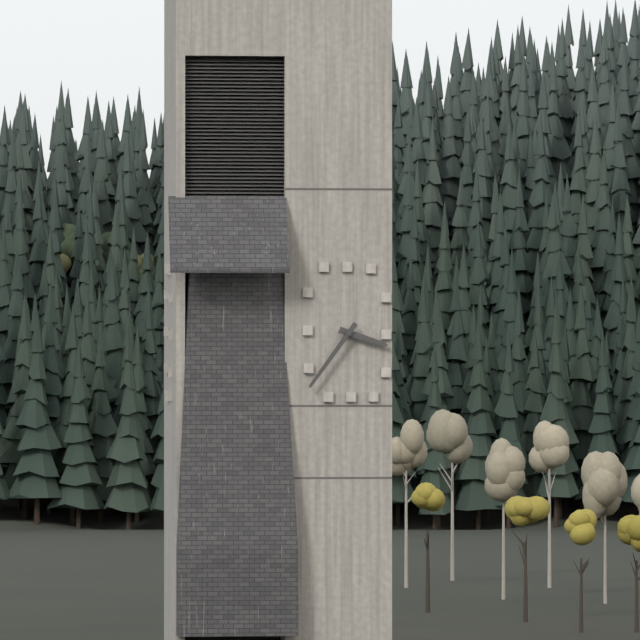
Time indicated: 3h36
